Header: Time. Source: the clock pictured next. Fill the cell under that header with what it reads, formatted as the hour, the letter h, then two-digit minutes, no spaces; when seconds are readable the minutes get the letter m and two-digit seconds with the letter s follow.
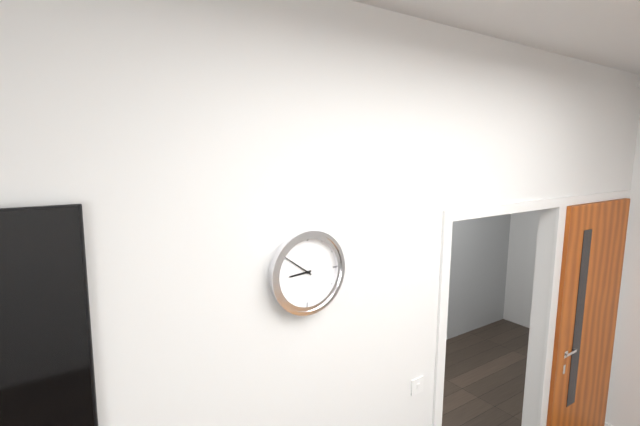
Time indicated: 8h51
